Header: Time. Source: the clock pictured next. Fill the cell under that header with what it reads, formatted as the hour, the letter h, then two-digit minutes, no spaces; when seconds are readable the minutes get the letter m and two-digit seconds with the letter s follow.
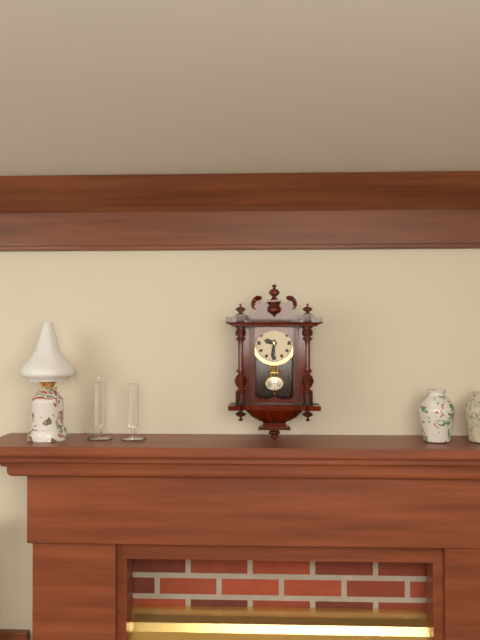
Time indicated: 9h31
